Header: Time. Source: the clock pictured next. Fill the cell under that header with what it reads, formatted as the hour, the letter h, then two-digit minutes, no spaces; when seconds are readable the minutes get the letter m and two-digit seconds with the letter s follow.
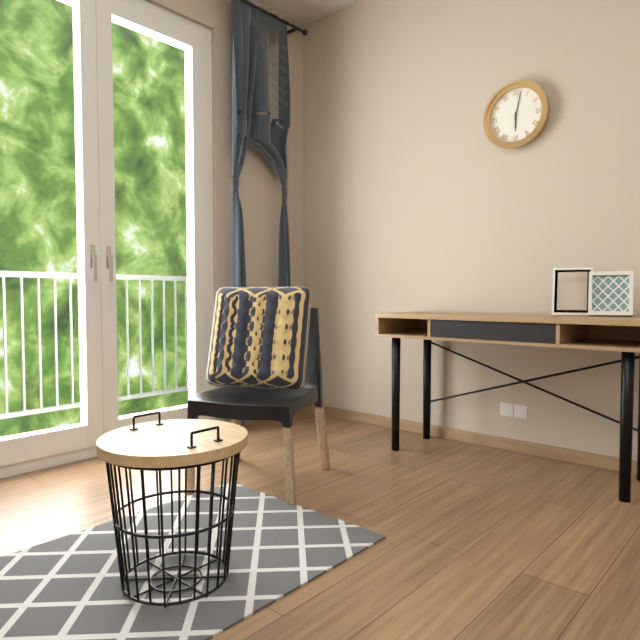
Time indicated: 6h02
